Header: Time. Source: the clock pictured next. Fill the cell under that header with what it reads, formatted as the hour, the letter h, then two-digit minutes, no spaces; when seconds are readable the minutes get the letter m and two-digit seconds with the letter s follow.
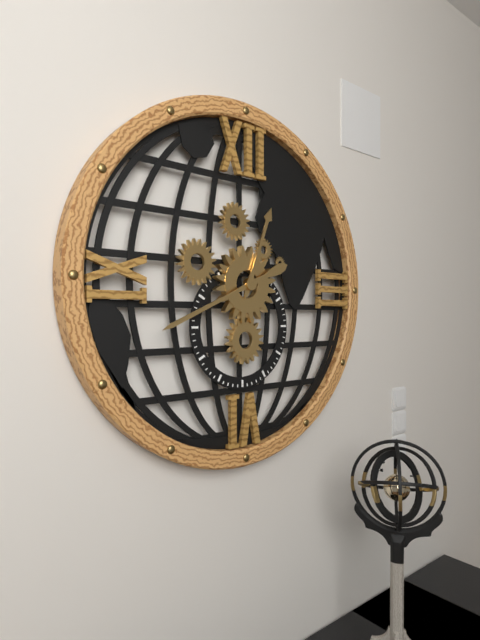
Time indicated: 12h41
